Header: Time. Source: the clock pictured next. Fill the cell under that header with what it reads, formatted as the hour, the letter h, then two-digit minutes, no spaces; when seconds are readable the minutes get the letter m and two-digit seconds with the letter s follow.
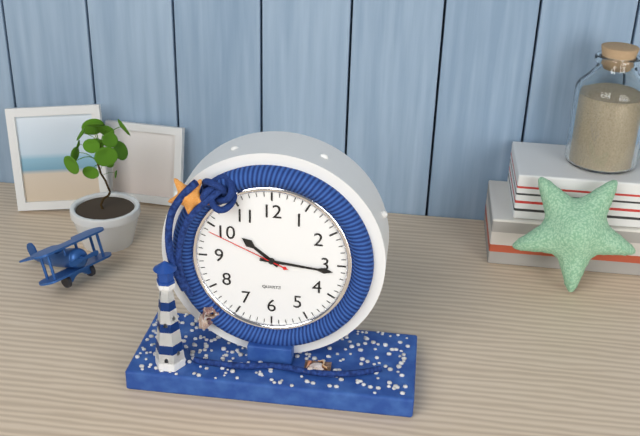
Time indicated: 10h16m49s
